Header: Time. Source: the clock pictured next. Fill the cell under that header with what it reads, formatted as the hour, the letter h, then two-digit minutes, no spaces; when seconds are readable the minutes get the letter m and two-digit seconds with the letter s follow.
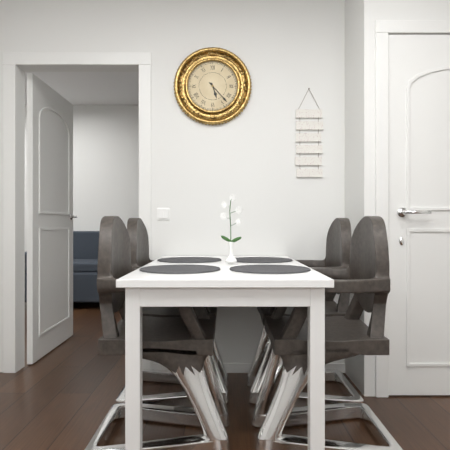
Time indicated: 5h23
